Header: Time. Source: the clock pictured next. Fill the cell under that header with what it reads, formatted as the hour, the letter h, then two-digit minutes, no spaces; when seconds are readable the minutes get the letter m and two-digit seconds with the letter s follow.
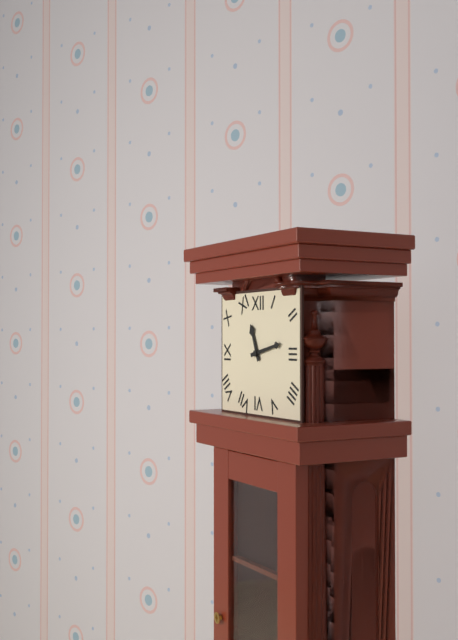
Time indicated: 11h13
